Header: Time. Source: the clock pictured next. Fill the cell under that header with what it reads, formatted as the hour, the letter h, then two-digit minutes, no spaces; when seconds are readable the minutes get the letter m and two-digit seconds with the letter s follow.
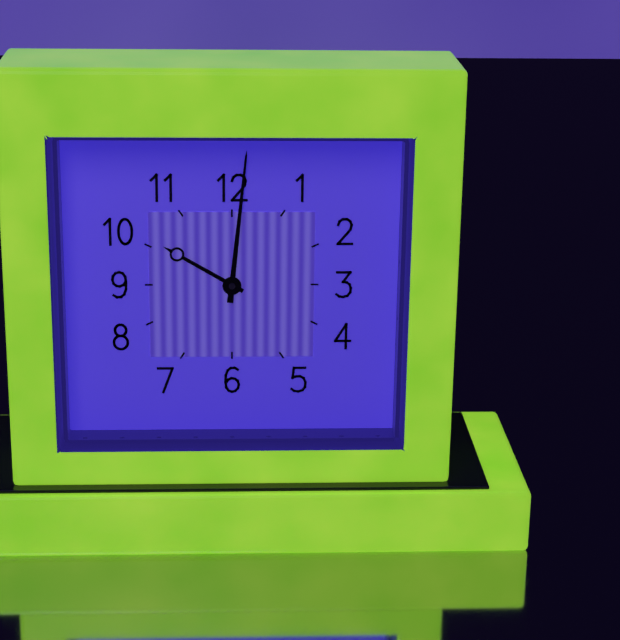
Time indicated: 10h01
